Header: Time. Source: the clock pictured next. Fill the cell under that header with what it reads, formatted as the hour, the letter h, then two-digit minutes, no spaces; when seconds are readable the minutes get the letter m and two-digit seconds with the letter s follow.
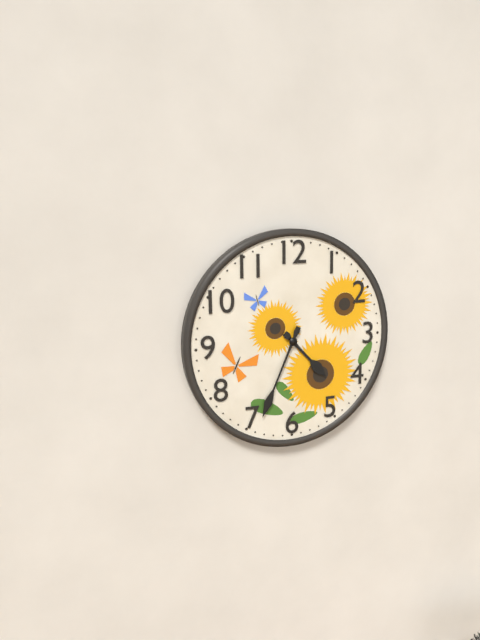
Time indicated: 4h34
